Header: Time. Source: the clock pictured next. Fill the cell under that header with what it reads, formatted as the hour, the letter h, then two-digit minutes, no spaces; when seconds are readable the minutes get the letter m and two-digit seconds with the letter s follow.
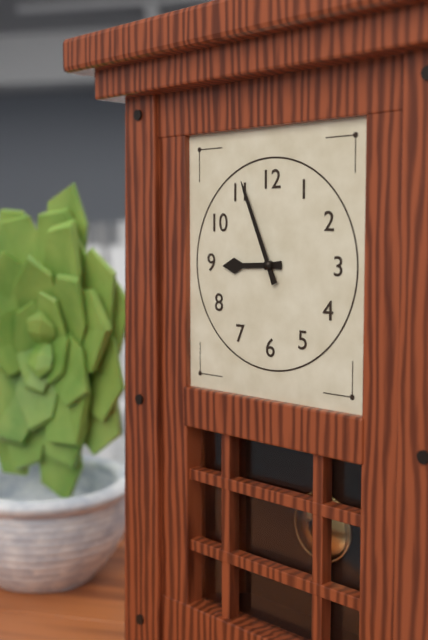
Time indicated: 8h56
